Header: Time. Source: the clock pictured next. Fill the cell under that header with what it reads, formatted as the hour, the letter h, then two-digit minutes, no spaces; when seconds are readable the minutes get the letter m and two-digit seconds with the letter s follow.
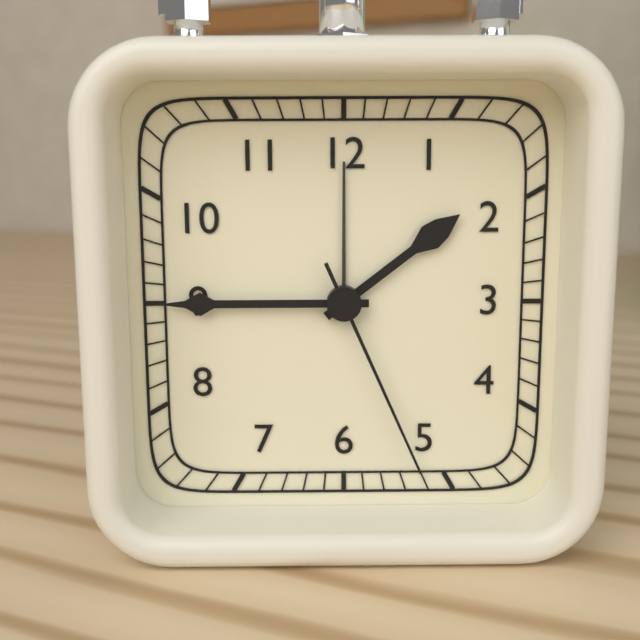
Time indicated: 1h45m26s
